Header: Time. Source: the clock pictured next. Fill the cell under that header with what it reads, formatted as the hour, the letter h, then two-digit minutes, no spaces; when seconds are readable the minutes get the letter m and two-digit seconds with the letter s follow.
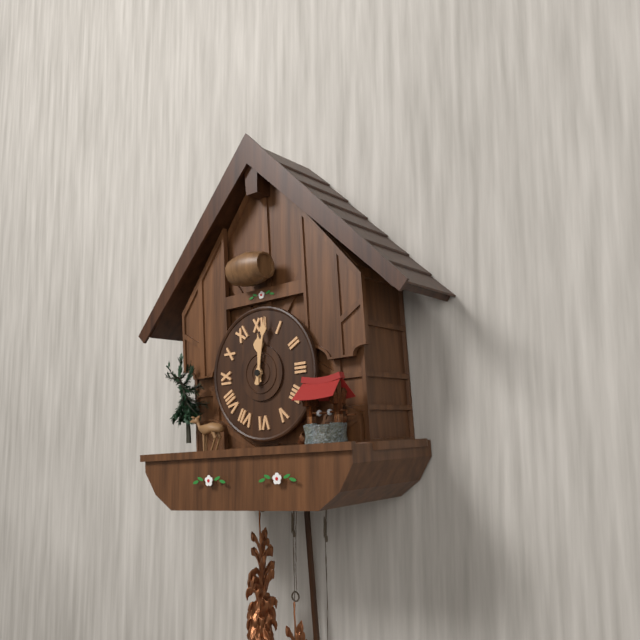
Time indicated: 12h02
